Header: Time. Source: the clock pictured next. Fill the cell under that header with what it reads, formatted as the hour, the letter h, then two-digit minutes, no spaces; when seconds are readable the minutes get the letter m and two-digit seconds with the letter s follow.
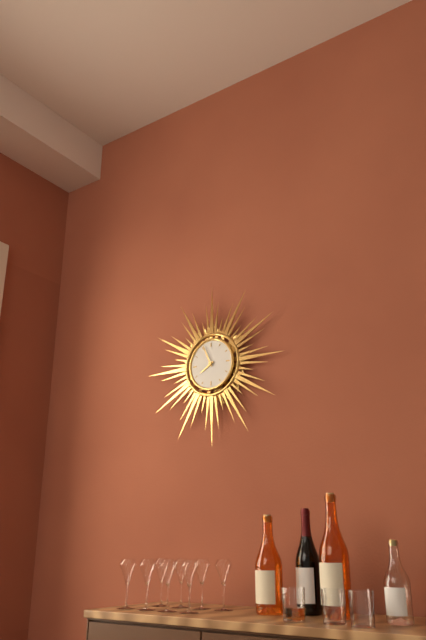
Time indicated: 7h56
